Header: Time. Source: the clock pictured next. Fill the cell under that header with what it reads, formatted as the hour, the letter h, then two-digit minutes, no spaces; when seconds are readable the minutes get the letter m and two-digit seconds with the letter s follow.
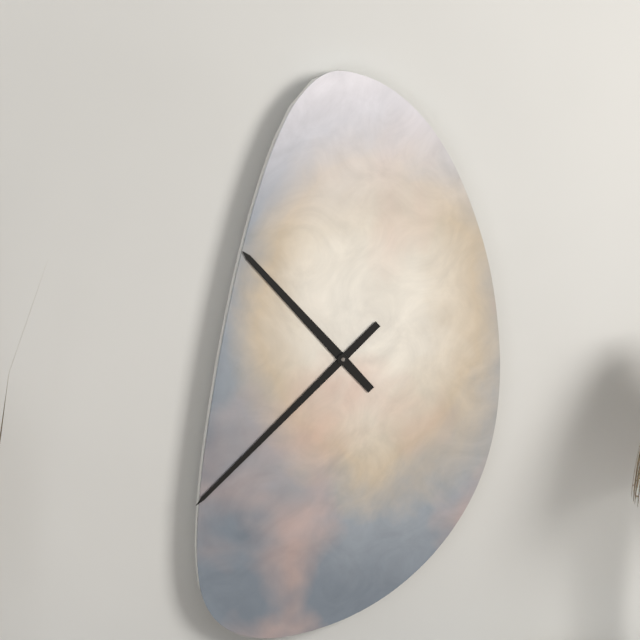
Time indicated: 10h38
